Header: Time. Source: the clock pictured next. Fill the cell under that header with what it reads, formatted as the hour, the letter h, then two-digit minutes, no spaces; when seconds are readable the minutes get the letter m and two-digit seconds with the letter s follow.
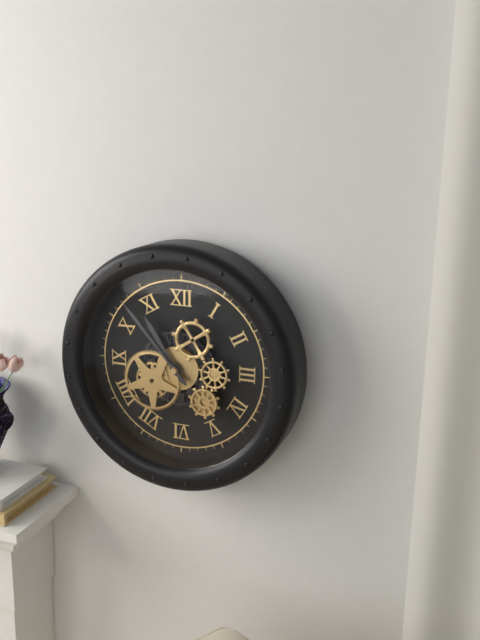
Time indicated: 10h53
